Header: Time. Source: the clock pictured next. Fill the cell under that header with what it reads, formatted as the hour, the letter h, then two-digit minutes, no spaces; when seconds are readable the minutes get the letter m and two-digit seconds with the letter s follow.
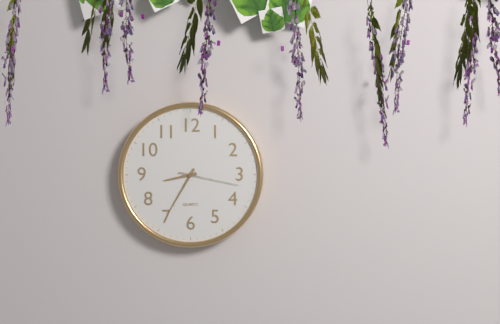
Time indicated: 8h35m17s
